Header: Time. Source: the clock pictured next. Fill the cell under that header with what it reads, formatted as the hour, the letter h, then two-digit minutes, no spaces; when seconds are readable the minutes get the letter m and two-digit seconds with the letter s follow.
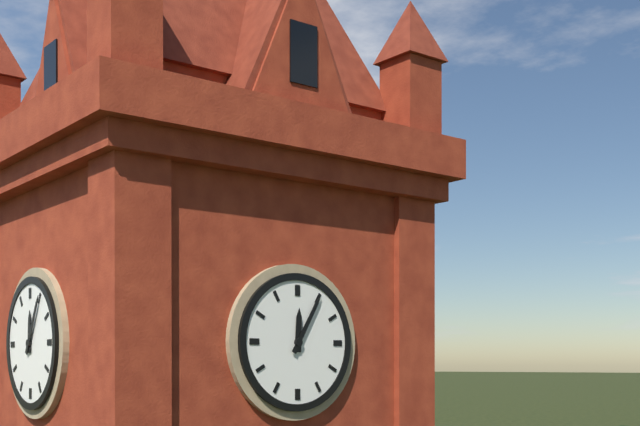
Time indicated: 12h05
